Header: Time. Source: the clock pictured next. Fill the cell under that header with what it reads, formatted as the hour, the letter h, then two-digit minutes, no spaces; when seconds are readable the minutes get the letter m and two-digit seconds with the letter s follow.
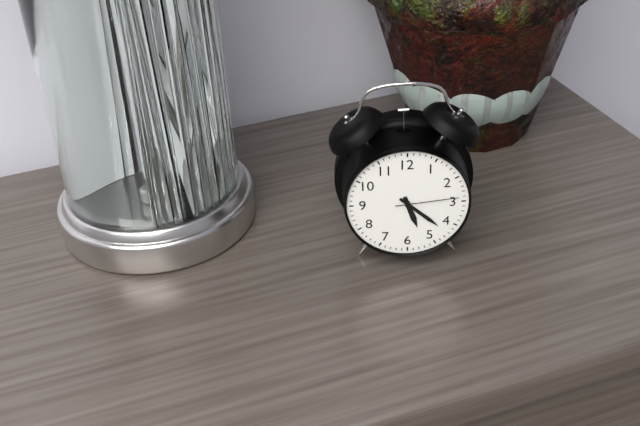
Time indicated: 5h22m14s
